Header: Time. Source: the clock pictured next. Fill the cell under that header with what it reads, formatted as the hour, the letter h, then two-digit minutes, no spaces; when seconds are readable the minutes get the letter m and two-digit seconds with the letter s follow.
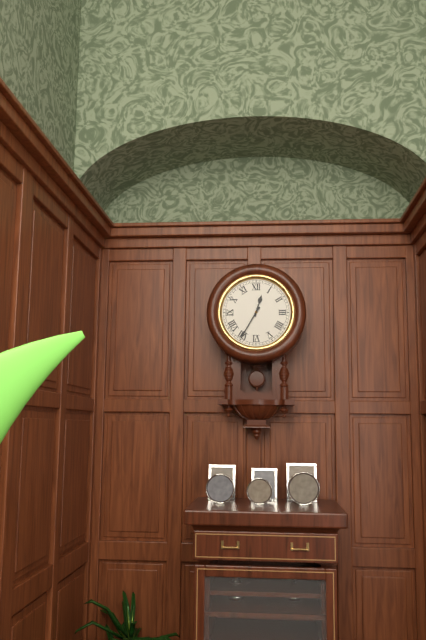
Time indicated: 12h35
